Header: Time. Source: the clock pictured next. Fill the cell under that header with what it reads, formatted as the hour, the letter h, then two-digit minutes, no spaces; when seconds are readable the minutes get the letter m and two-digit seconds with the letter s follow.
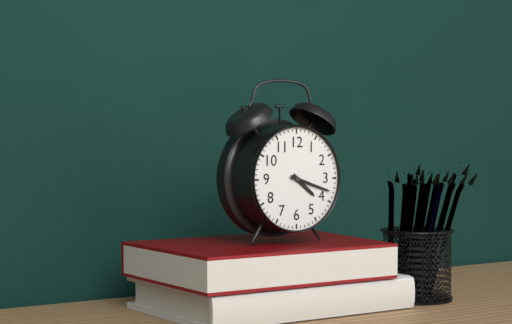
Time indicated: 4h18
